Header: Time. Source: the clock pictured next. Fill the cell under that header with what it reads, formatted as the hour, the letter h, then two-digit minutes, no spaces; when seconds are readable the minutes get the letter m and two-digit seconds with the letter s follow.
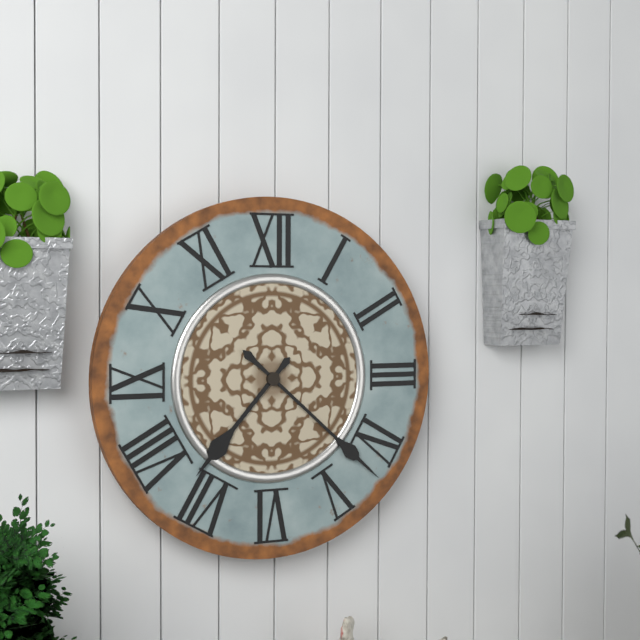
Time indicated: 7h22
